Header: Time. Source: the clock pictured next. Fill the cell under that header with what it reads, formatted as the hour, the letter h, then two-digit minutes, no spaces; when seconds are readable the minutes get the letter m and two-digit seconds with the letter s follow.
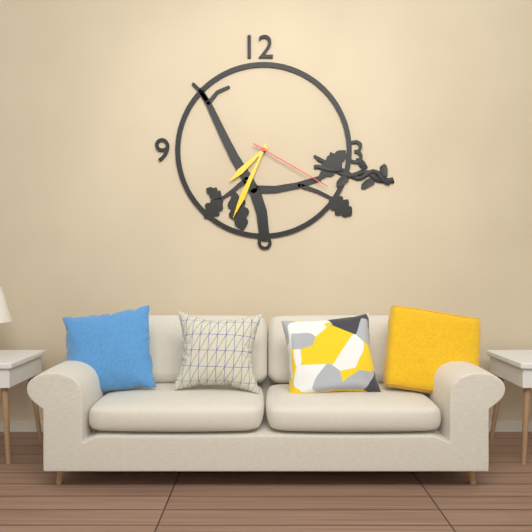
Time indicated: 7h34m20s
